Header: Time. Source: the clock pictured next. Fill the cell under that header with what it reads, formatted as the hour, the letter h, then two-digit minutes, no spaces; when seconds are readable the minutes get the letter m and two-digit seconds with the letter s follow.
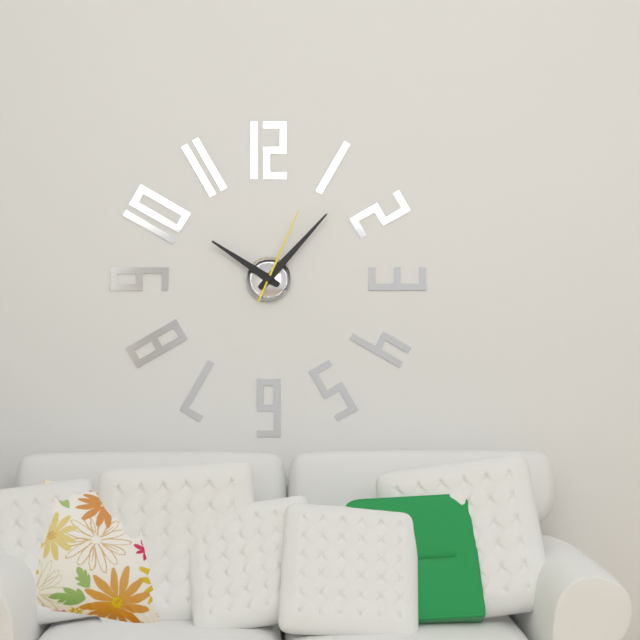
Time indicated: 10h07m04s
